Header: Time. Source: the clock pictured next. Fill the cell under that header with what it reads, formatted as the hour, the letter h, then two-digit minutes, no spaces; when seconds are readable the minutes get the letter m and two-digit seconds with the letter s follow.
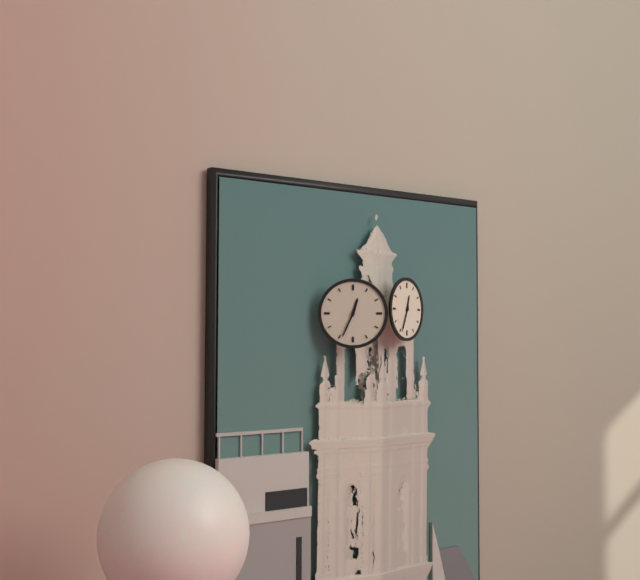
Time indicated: 12h34
